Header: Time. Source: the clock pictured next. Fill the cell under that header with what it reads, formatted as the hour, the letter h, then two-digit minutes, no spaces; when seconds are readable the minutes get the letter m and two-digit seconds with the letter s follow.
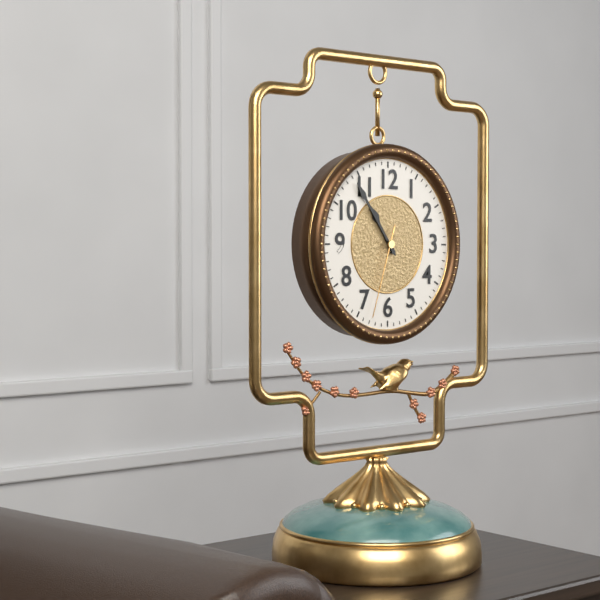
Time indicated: 10h54m33s
